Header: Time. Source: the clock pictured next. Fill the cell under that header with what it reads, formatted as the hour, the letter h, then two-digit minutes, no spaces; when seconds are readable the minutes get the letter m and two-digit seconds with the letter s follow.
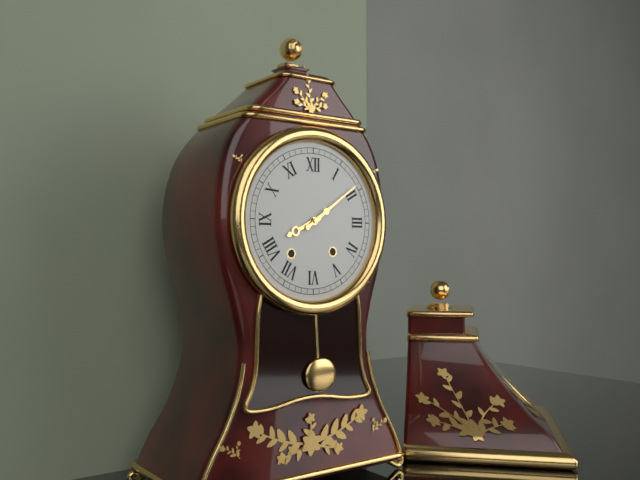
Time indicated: 8h09
